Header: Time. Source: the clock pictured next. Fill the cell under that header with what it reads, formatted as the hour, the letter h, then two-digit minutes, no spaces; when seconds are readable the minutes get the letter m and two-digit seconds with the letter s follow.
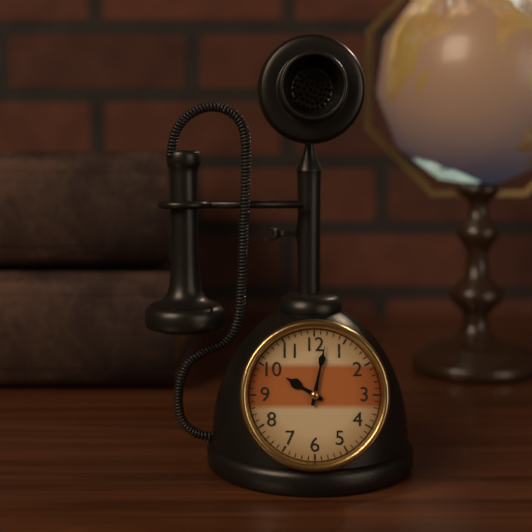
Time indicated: 10h02
